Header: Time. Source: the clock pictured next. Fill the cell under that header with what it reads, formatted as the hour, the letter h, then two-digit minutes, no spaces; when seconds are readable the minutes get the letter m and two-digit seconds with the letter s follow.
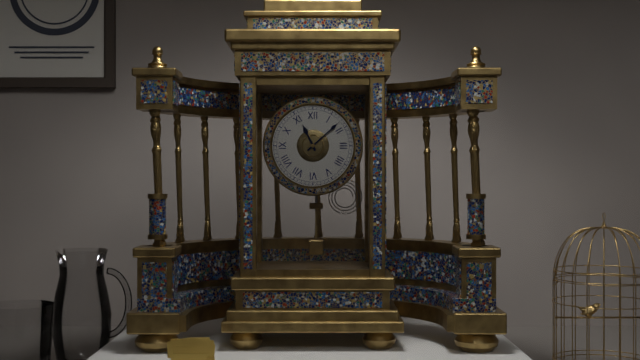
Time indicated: 11h08
